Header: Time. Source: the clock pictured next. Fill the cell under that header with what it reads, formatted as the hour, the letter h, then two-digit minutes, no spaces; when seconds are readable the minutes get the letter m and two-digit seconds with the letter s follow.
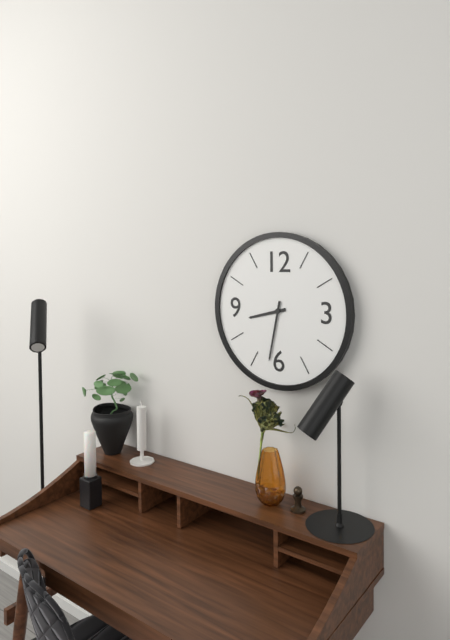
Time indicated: 8h32
